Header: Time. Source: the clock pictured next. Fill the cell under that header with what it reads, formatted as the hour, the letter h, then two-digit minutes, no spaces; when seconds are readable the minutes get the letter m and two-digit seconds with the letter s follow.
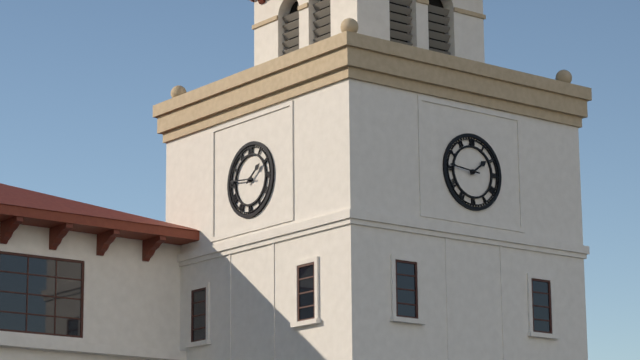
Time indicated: 1h46
